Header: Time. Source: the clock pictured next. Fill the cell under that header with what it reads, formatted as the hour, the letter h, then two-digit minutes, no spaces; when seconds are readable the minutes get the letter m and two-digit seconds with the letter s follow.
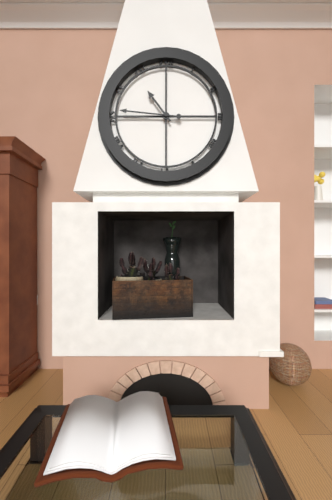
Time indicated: 10h46
